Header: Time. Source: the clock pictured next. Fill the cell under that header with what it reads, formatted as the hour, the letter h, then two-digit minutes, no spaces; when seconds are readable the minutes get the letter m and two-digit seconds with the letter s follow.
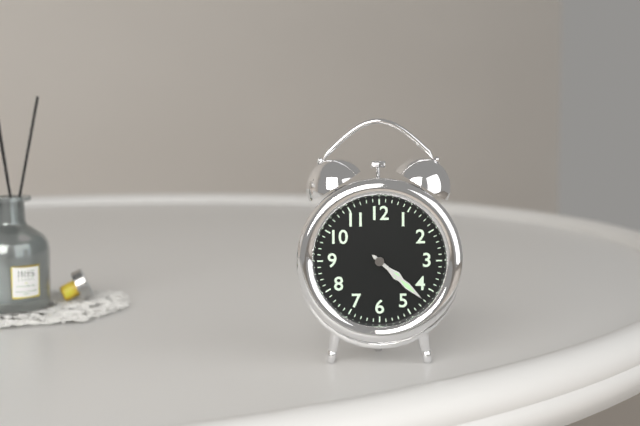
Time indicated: 4h22
